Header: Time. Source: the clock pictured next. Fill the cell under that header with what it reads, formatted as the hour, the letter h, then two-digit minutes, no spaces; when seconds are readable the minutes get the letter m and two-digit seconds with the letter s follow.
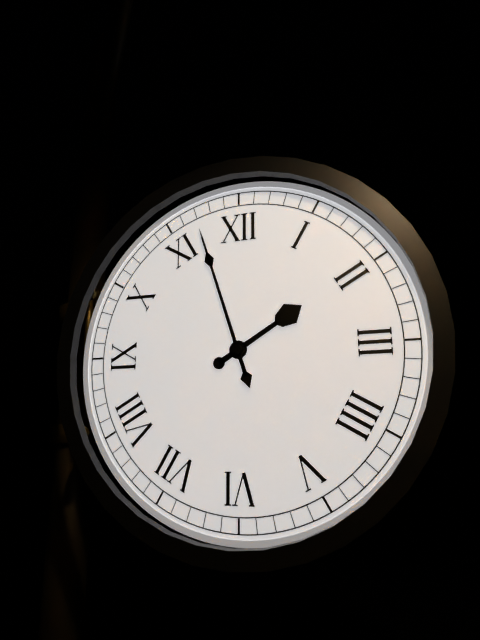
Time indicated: 1h57
